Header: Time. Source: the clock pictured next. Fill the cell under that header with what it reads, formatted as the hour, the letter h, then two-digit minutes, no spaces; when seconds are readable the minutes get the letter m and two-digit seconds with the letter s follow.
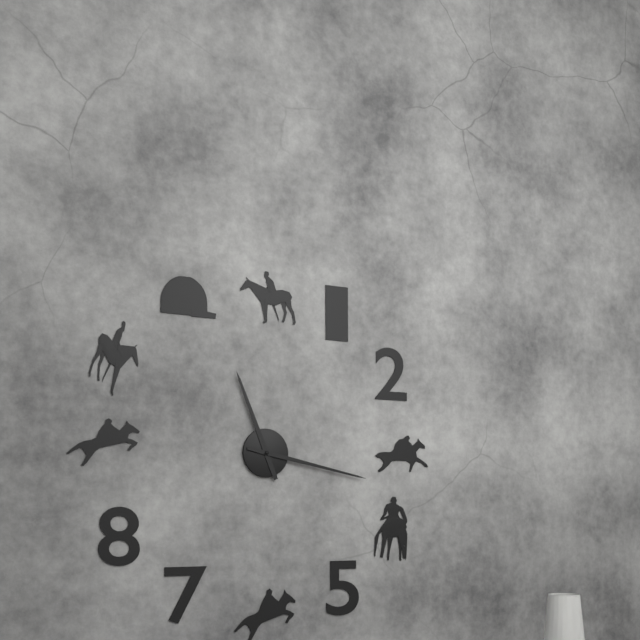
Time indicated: 11h17
